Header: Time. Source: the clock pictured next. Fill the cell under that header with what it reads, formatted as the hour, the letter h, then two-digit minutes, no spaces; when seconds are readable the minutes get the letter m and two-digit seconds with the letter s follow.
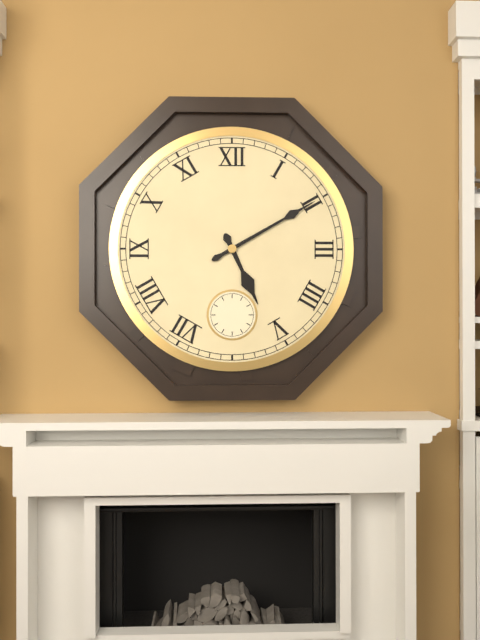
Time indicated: 5h10
